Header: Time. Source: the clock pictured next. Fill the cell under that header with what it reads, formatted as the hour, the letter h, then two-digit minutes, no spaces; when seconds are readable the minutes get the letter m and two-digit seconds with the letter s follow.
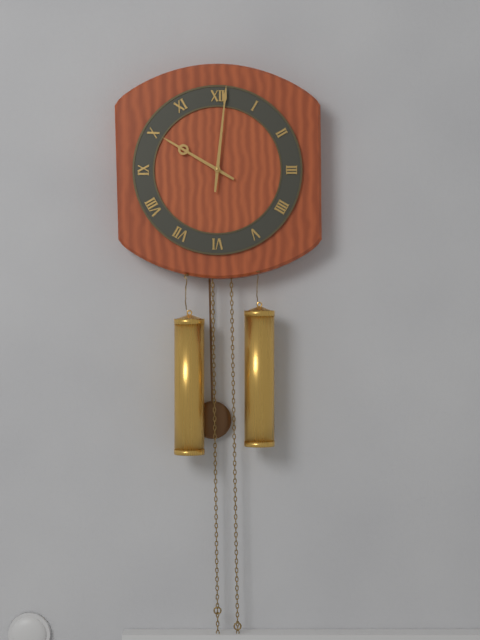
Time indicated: 10h01
